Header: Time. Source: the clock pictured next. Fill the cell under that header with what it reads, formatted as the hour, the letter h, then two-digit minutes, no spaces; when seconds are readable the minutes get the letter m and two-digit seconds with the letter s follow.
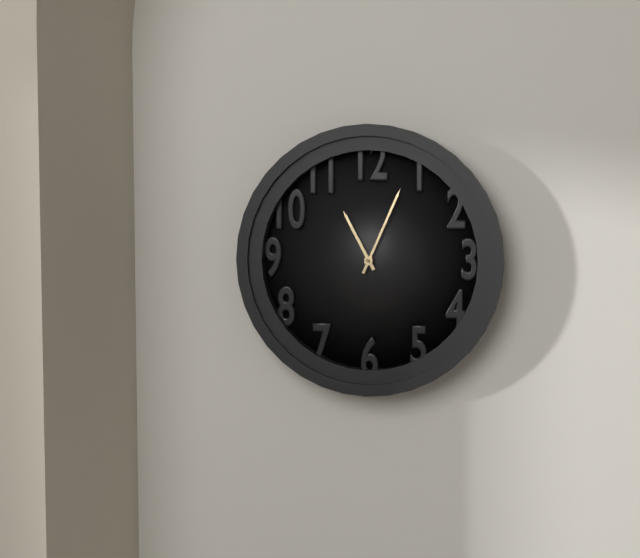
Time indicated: 11h04
